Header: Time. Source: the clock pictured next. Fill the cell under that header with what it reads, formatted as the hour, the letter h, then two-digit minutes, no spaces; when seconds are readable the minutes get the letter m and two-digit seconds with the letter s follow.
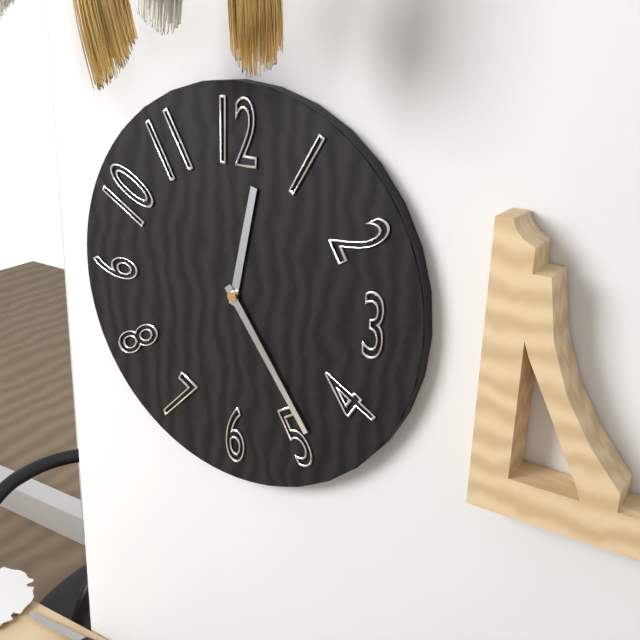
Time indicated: 12h24
